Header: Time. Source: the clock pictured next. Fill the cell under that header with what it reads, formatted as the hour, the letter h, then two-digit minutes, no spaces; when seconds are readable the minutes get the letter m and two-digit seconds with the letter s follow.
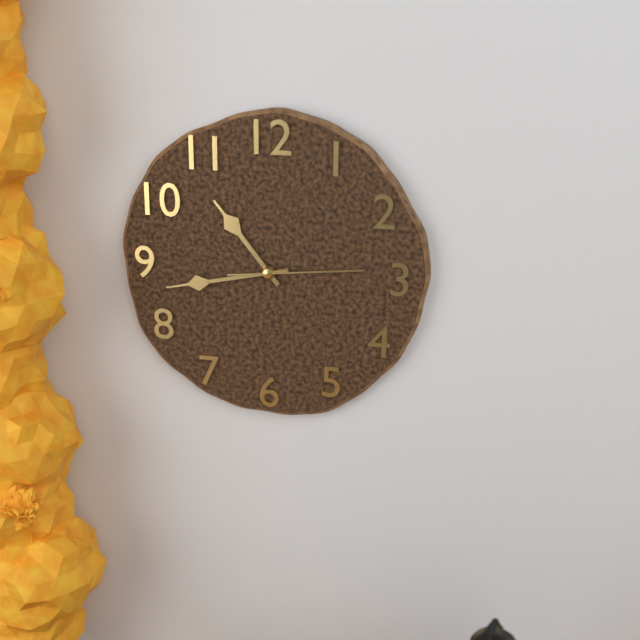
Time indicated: 10h43m14s
